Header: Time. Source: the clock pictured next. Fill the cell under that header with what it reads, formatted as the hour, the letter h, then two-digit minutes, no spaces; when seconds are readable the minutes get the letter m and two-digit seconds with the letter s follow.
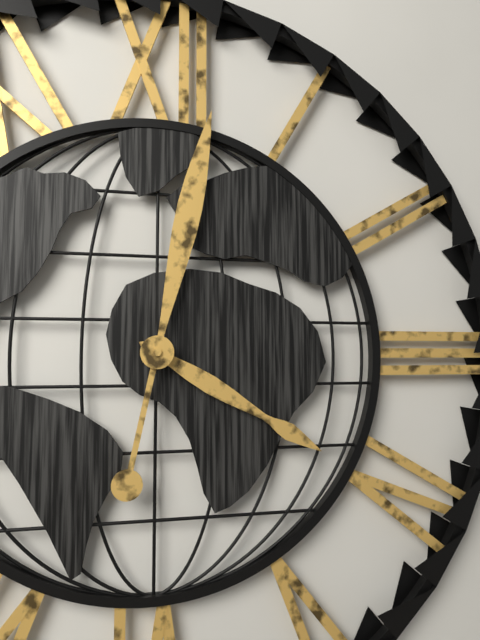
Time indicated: 4h02
